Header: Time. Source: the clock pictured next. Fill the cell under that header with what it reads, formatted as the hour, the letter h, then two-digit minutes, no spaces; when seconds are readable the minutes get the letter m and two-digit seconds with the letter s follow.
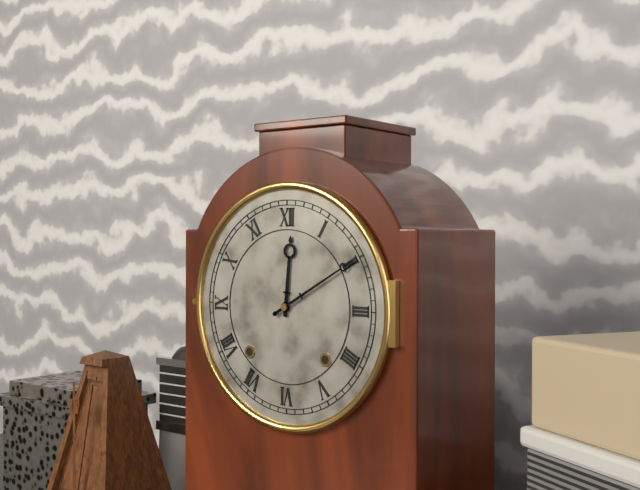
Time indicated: 12h10
